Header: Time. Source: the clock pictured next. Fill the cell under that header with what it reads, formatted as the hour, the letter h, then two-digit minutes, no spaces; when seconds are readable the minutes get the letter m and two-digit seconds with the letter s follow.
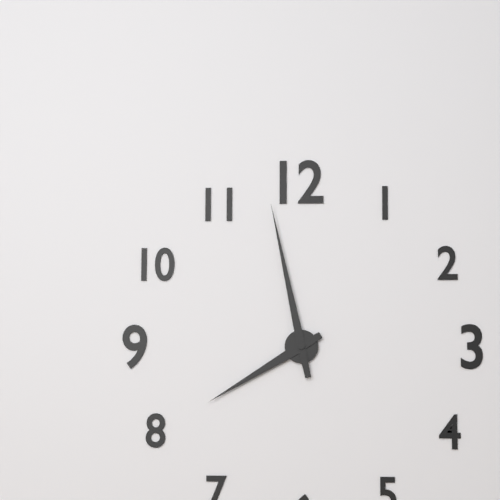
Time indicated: 7h58
